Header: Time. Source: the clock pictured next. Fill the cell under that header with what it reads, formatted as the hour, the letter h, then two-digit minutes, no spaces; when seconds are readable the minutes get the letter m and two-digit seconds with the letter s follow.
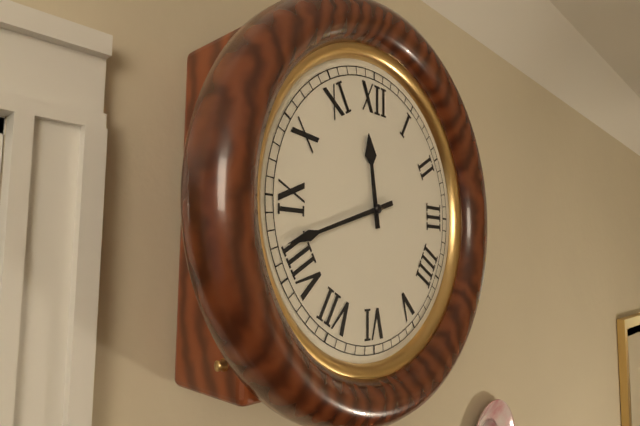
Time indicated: 11h42
